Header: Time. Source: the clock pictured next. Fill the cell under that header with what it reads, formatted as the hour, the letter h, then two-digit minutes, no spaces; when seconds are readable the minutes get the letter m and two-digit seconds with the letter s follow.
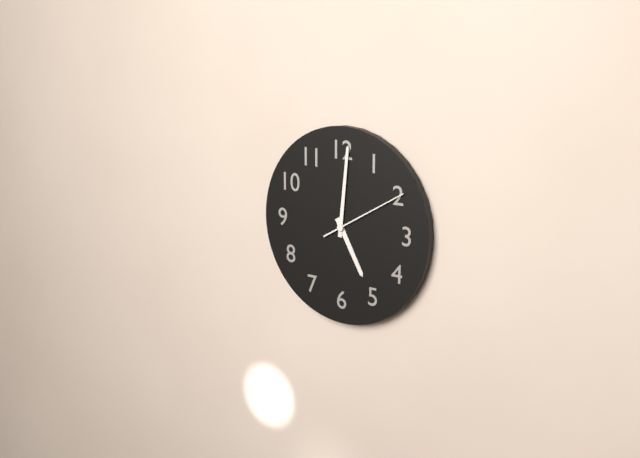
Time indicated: 5h01m10s
